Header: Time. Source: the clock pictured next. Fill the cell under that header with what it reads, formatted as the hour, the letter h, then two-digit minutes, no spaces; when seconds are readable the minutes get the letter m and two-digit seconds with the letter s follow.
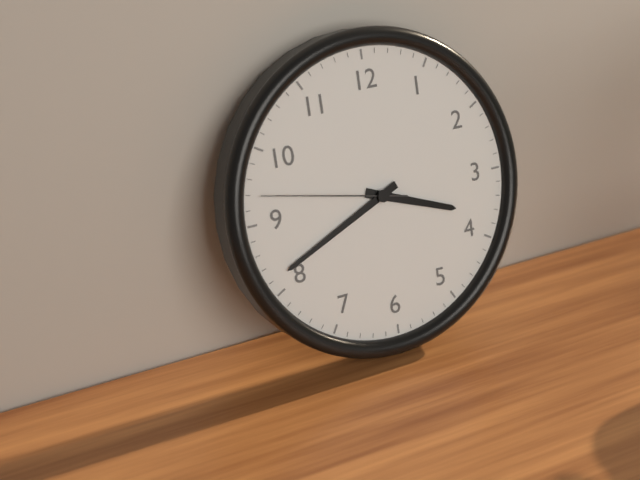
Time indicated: 3h41m47s
